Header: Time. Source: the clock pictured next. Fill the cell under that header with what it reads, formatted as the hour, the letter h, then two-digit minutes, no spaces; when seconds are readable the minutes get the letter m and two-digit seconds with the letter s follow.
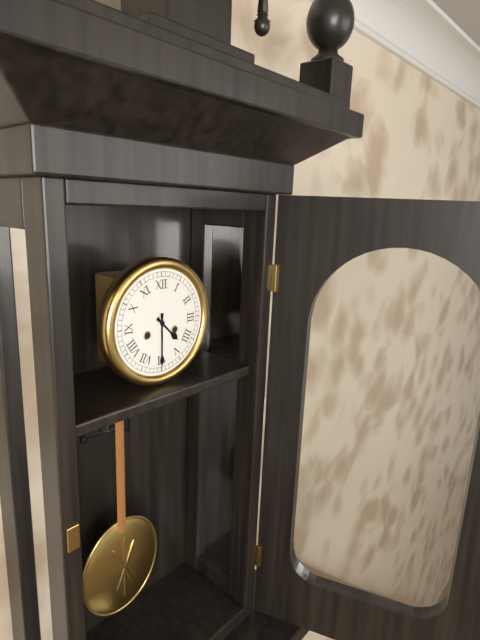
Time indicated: 4h30
